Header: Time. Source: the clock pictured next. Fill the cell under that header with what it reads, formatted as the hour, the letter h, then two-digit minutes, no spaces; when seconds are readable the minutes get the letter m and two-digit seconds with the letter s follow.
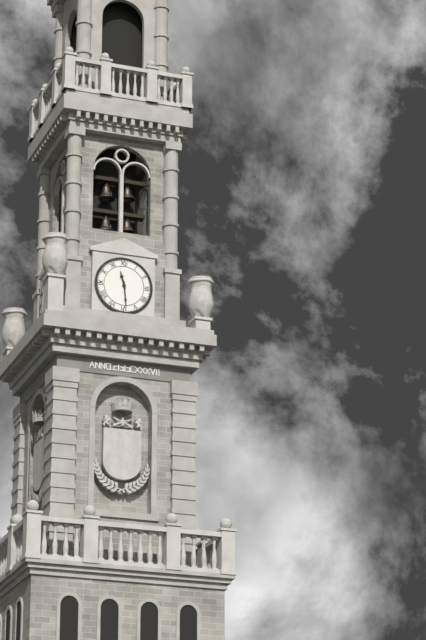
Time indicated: 11h29
